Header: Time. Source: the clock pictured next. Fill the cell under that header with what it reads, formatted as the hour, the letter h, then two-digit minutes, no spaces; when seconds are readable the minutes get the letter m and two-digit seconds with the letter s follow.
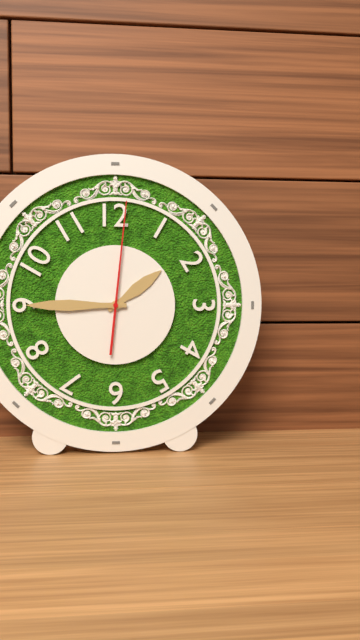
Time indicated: 1h45m01s
